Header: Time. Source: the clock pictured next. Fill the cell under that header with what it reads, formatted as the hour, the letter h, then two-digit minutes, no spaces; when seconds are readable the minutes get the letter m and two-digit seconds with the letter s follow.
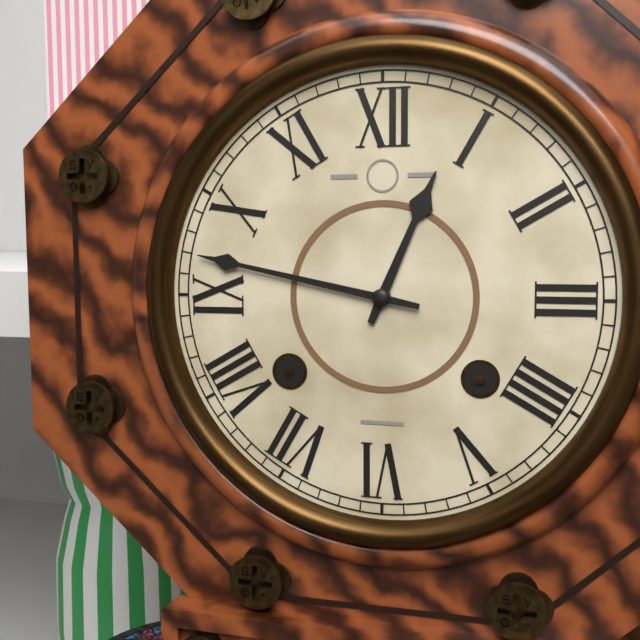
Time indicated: 12h47
